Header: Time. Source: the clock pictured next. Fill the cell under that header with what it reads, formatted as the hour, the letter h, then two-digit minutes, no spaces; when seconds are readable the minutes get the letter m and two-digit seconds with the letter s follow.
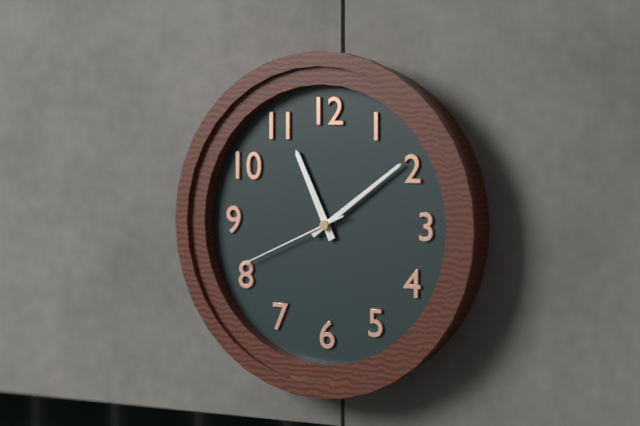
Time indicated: 11h09m41s
